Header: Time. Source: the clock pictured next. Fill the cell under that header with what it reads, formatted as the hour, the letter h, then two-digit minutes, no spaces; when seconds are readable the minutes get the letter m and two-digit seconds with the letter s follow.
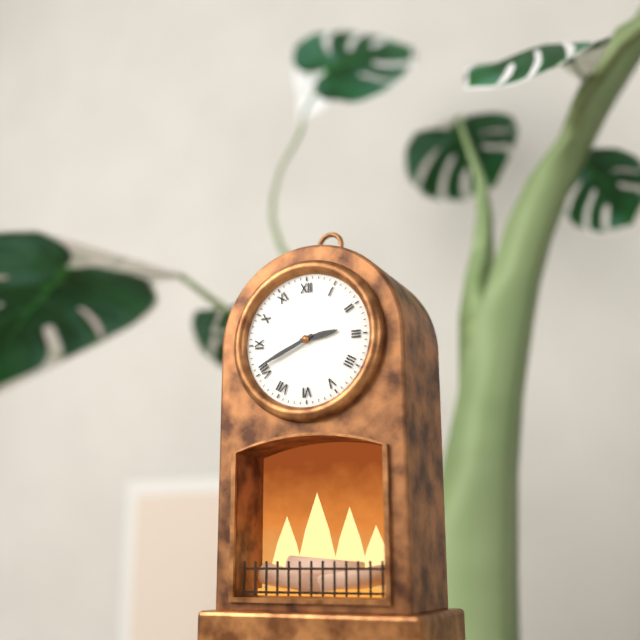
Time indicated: 2h41
